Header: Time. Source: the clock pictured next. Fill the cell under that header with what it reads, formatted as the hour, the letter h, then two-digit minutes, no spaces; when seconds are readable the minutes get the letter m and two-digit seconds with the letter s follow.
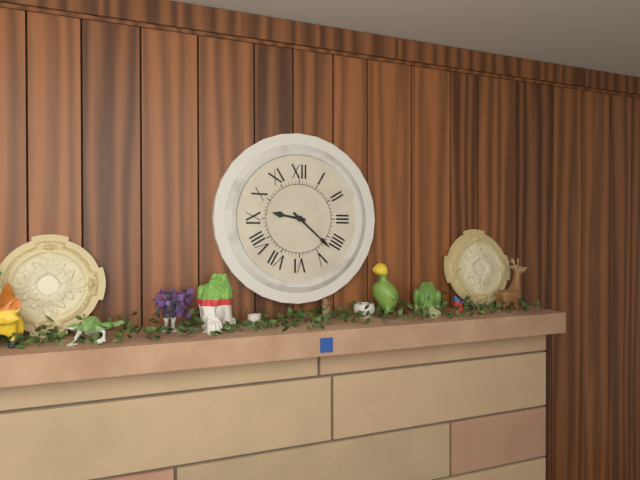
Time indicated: 9h22
